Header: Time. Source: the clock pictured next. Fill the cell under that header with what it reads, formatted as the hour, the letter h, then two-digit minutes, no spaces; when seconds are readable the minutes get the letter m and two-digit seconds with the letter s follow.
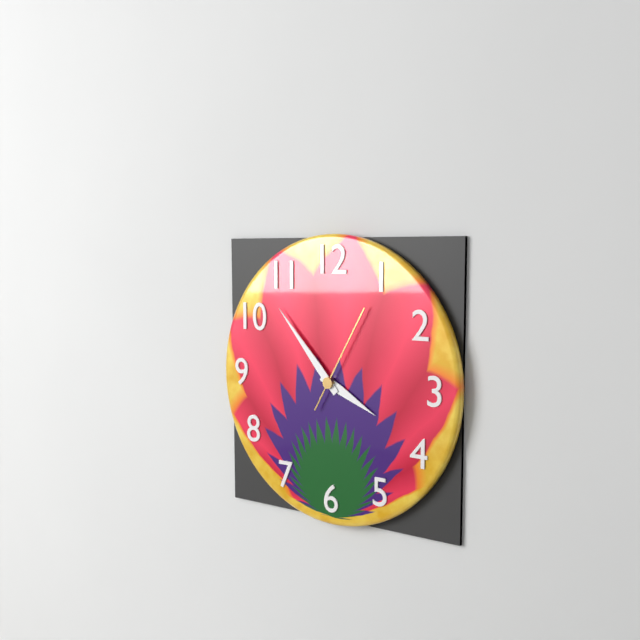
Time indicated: 3h53m05s
